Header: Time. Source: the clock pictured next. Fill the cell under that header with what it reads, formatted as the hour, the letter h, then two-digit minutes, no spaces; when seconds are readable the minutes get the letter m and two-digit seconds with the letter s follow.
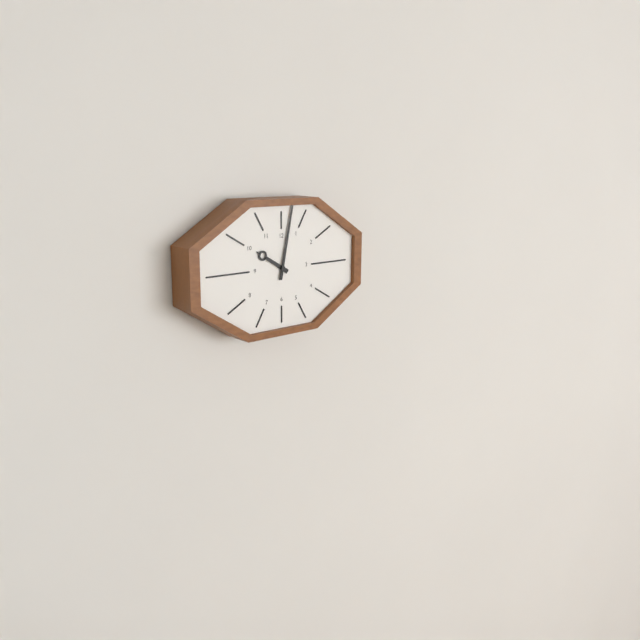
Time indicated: 10h02
